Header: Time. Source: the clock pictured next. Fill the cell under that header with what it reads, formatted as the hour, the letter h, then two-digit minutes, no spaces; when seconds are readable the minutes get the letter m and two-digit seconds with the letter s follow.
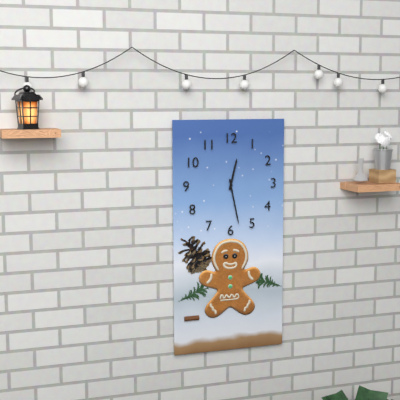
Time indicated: 12h28
